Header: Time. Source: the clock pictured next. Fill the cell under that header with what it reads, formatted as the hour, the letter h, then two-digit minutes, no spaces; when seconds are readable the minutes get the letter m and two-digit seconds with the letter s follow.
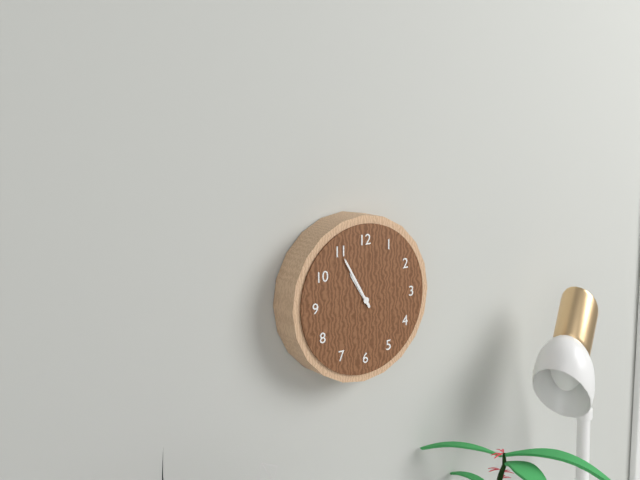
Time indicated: 10h55
